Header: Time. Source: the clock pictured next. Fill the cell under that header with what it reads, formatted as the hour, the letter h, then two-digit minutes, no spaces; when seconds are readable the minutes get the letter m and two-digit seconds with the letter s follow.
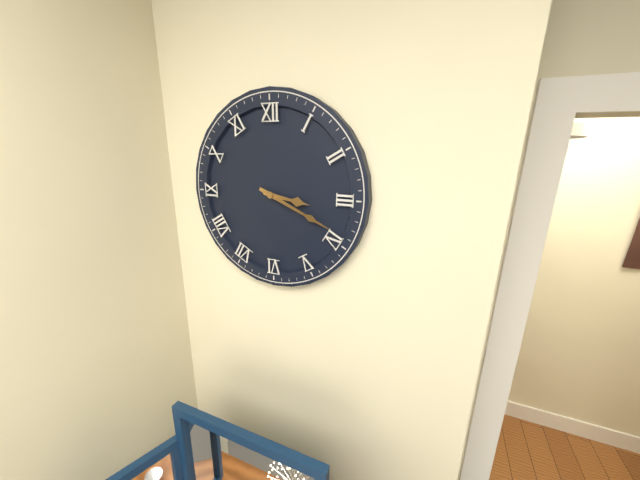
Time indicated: 3h19
